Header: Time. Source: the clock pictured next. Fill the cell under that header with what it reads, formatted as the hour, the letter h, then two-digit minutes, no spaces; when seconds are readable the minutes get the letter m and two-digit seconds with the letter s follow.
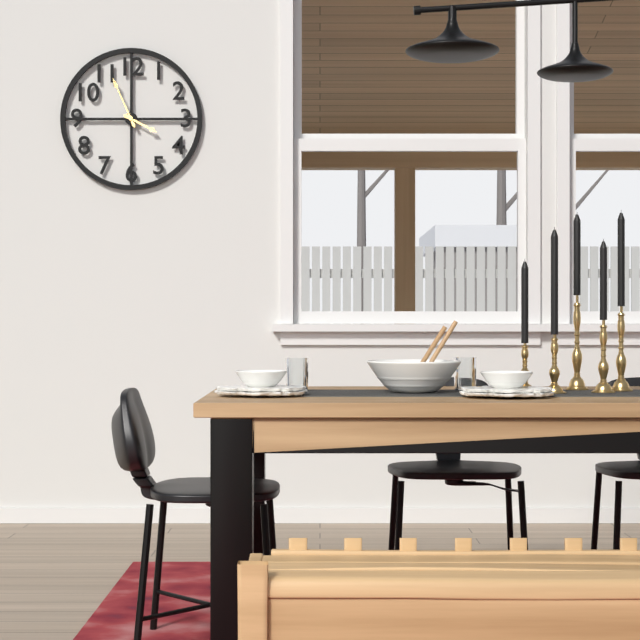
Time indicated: 3h56
